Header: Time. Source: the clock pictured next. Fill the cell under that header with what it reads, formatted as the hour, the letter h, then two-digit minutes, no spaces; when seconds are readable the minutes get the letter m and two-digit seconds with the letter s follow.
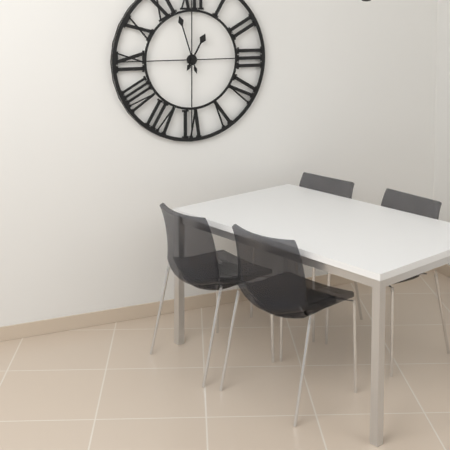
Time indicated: 12h57
